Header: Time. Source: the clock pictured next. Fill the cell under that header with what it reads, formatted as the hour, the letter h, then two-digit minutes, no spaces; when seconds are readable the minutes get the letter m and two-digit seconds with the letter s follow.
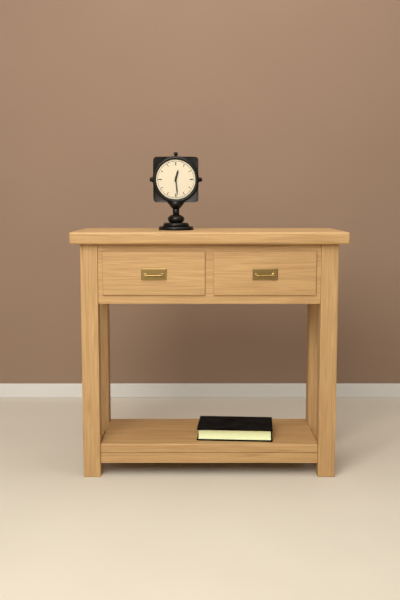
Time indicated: 12h29
